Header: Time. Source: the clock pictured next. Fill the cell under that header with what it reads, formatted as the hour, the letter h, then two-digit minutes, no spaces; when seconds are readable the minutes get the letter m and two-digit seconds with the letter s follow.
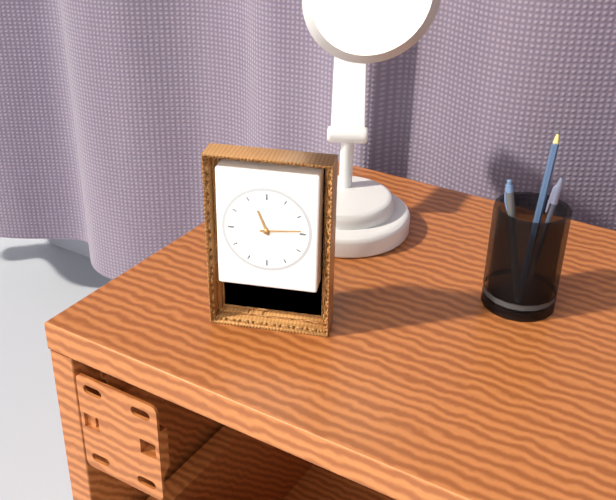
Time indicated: 11h14
